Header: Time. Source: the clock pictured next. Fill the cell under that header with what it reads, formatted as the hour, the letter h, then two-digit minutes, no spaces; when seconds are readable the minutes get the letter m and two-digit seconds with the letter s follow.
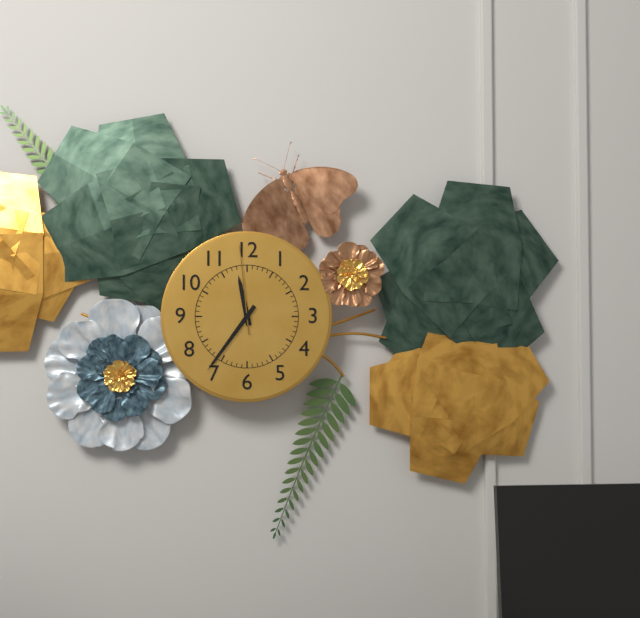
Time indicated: 11h36m59s
